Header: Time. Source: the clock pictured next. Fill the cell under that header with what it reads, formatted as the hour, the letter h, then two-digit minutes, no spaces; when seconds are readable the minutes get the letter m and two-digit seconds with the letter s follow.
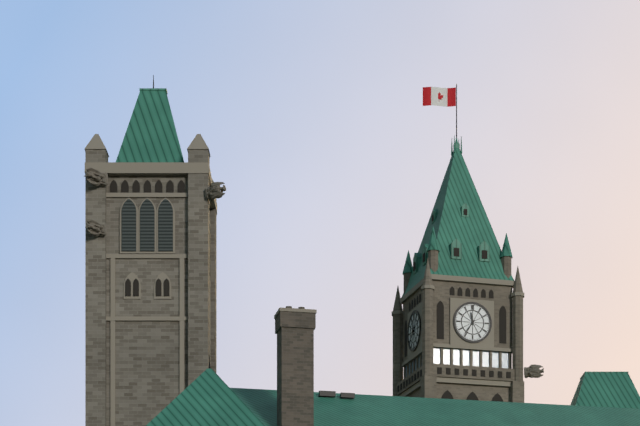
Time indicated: 11h36
